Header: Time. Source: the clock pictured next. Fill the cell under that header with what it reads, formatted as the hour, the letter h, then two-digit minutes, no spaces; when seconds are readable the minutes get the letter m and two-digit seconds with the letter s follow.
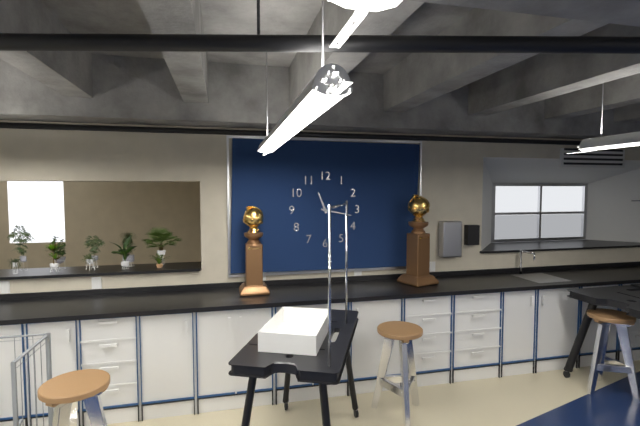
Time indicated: 11h17
